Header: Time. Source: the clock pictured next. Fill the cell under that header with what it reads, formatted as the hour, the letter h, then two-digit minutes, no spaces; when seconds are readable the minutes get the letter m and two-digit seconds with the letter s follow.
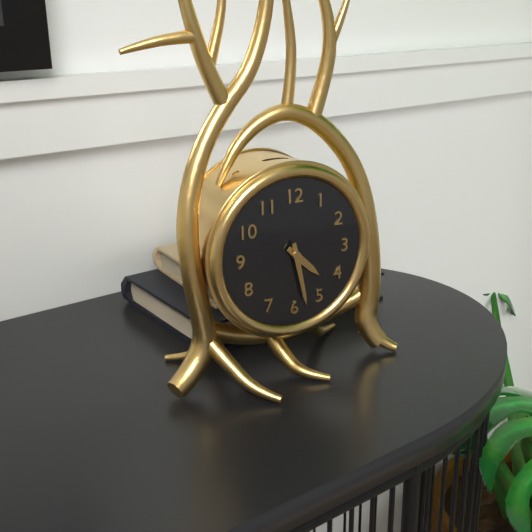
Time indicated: 4h28
